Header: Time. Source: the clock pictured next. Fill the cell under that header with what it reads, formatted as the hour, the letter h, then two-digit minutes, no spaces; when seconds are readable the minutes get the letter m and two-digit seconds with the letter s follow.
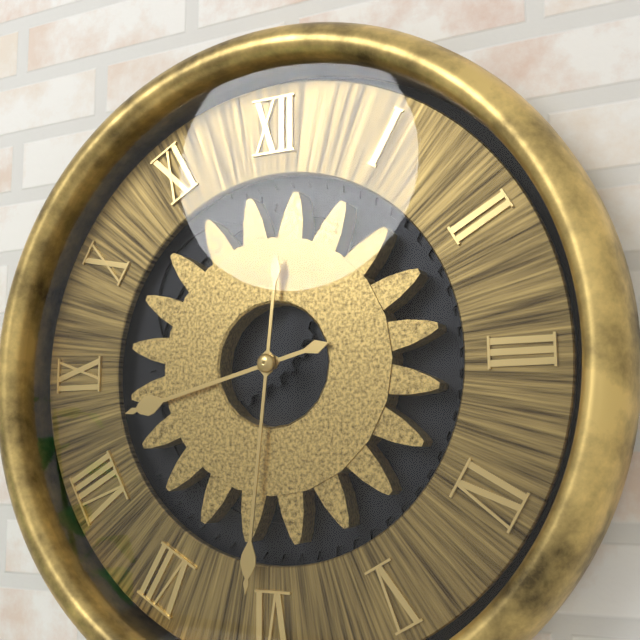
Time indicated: 8h31
